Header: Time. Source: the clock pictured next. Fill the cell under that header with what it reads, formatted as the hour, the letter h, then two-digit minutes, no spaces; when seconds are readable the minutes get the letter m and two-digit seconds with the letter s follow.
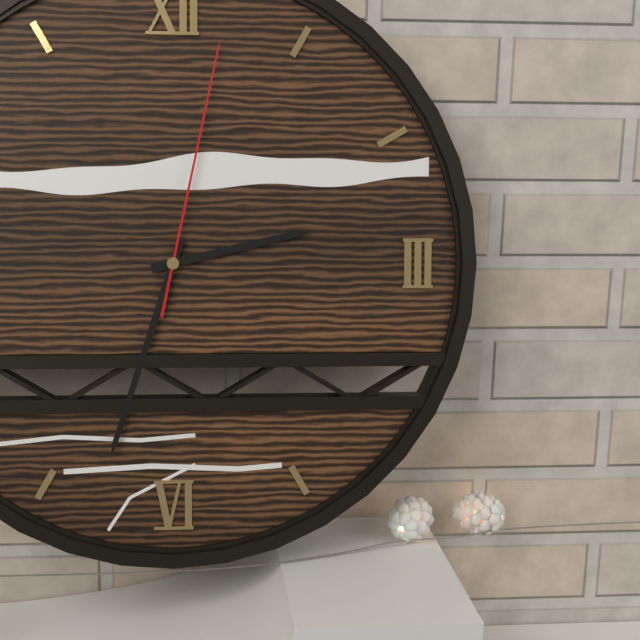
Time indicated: 2h33m02s
